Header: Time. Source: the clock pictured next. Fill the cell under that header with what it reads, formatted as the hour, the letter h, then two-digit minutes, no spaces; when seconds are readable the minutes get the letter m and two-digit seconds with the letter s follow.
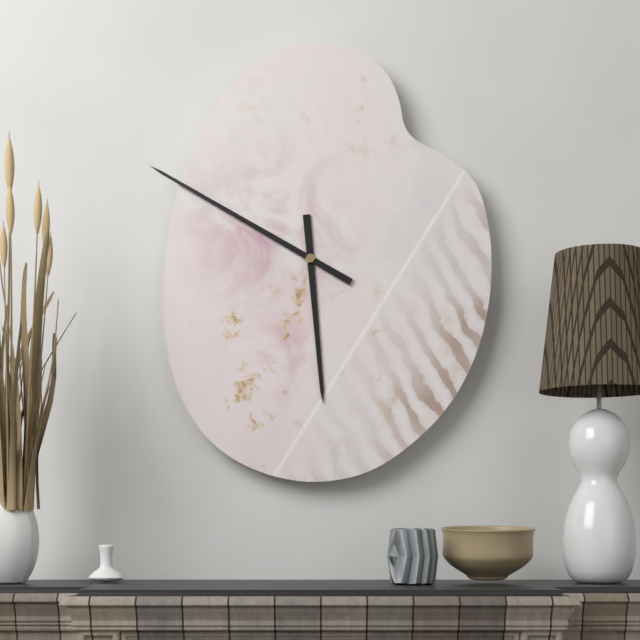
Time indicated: 5h50
